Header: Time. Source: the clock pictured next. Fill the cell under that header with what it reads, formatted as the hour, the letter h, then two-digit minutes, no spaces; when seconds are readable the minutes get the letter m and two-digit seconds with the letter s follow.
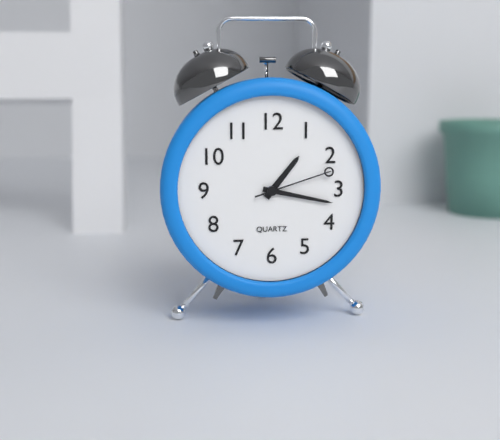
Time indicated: 1h17m12s
